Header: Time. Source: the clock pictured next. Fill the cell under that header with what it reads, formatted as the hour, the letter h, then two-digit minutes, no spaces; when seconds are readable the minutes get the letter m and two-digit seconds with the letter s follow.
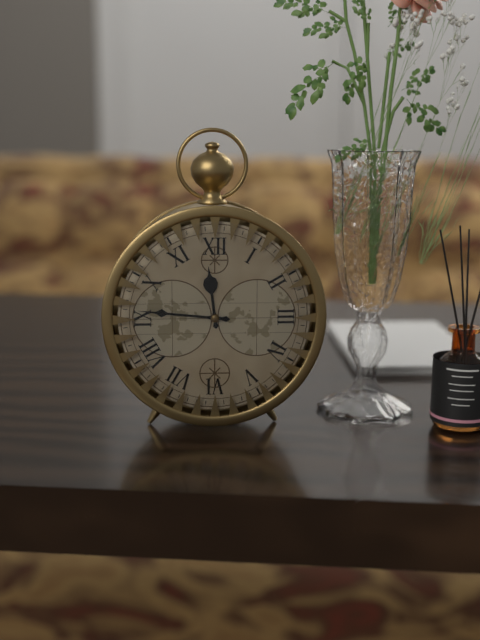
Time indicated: 11h46
